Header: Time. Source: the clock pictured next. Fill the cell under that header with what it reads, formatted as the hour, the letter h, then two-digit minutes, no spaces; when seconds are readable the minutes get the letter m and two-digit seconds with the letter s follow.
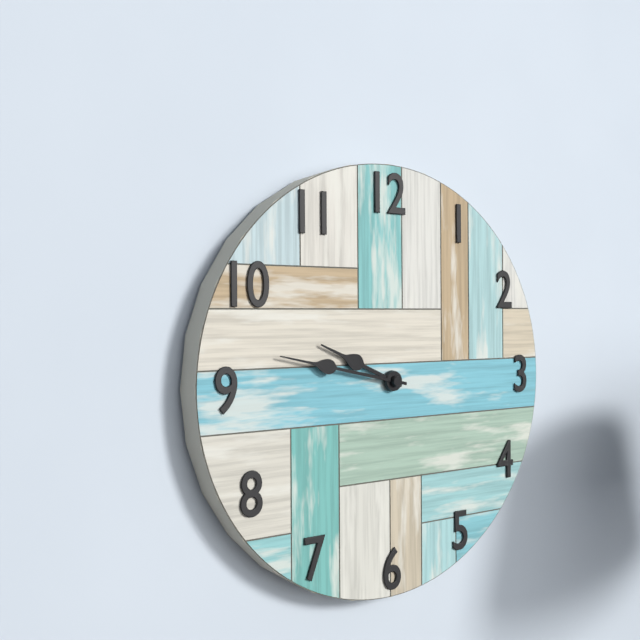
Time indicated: 9h47
